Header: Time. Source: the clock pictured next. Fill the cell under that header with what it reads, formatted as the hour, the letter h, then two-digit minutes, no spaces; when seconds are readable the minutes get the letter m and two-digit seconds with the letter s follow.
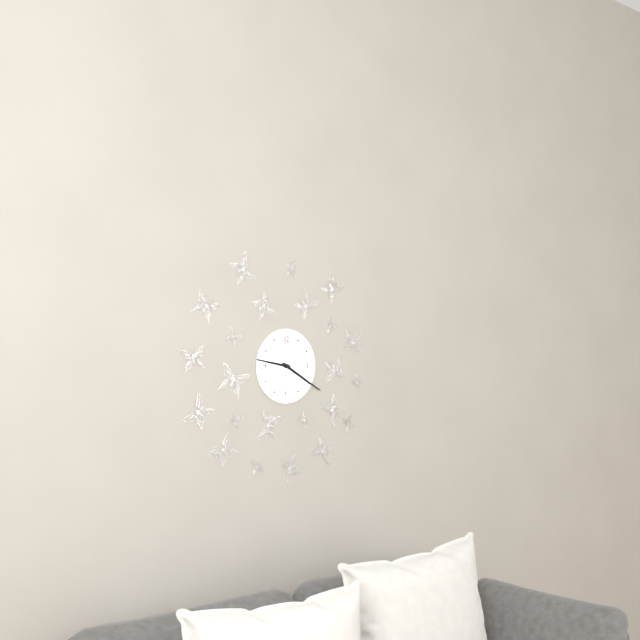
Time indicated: 9h20
